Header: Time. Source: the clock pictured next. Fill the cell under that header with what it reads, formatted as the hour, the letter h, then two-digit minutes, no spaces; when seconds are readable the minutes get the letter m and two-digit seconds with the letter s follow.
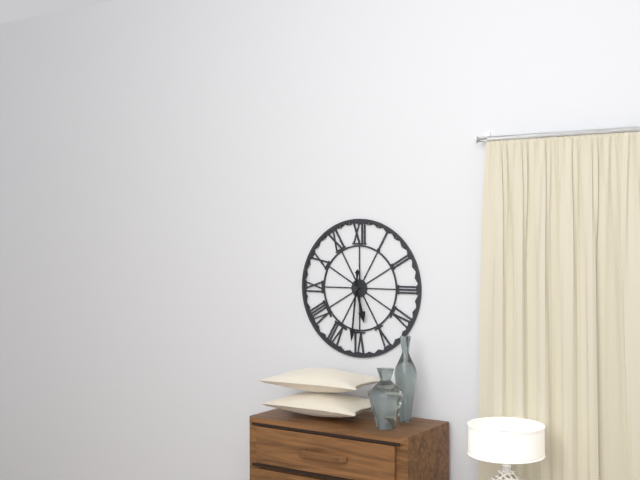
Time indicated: 5h31
